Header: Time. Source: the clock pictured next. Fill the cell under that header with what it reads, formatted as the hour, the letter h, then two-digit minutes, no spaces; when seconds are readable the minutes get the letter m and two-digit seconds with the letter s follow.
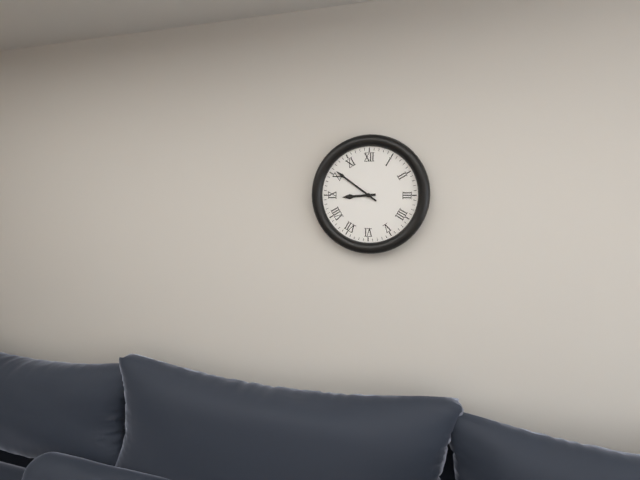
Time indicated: 8h51
